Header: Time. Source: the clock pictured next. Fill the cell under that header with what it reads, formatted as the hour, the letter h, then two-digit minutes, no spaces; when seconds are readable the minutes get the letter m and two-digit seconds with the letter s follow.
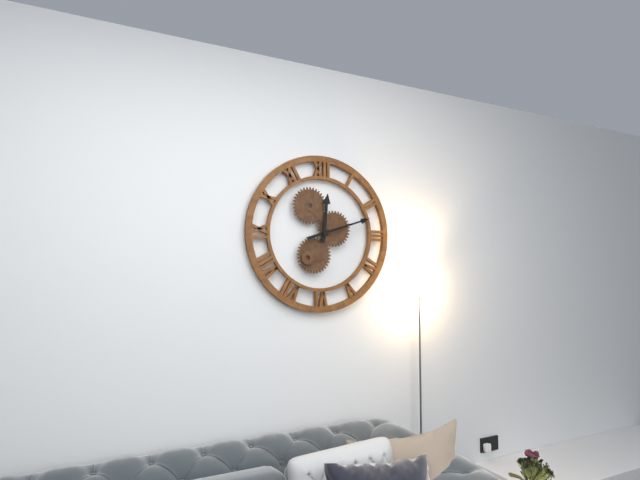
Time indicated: 12h12
